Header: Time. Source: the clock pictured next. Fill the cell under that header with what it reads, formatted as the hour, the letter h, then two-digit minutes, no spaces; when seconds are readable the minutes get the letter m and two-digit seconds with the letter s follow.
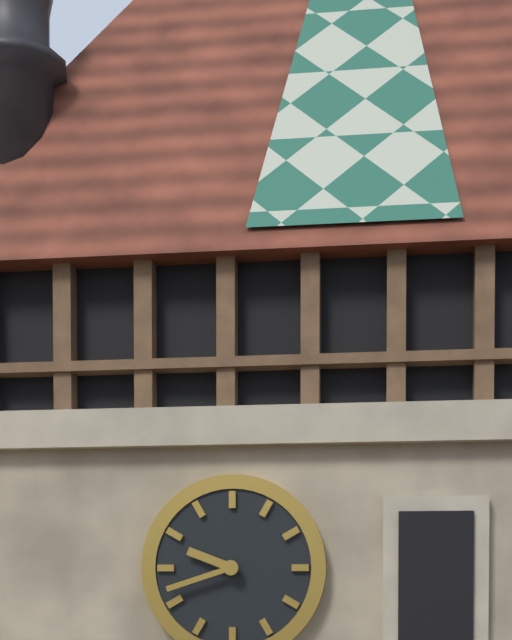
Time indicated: 9h42
